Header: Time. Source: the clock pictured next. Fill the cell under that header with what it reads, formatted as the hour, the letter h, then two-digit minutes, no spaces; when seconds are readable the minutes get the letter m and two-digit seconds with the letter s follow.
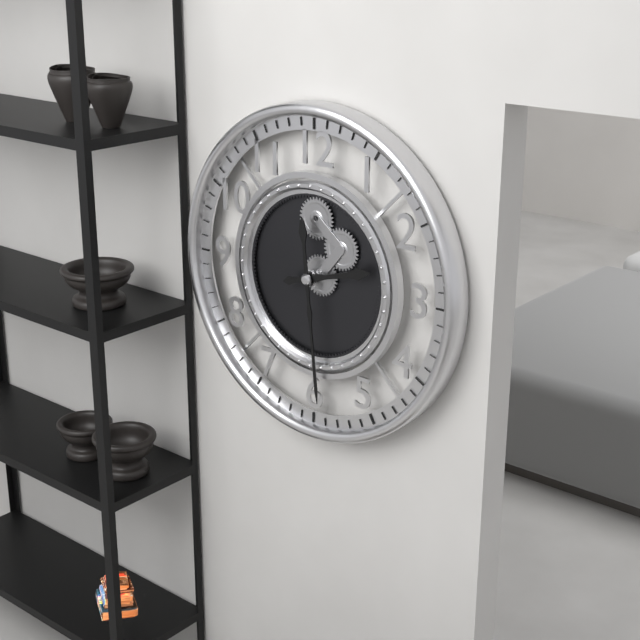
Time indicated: 2h29
